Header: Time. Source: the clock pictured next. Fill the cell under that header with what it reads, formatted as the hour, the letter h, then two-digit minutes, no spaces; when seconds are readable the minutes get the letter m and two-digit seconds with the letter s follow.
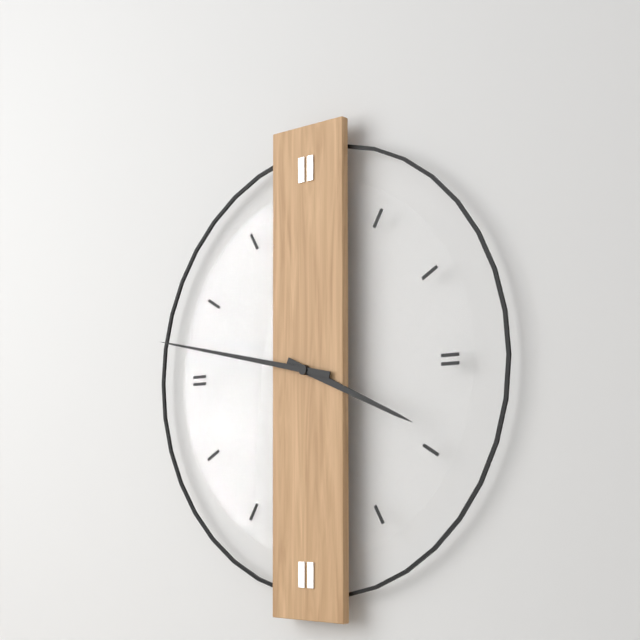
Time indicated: 3h47
